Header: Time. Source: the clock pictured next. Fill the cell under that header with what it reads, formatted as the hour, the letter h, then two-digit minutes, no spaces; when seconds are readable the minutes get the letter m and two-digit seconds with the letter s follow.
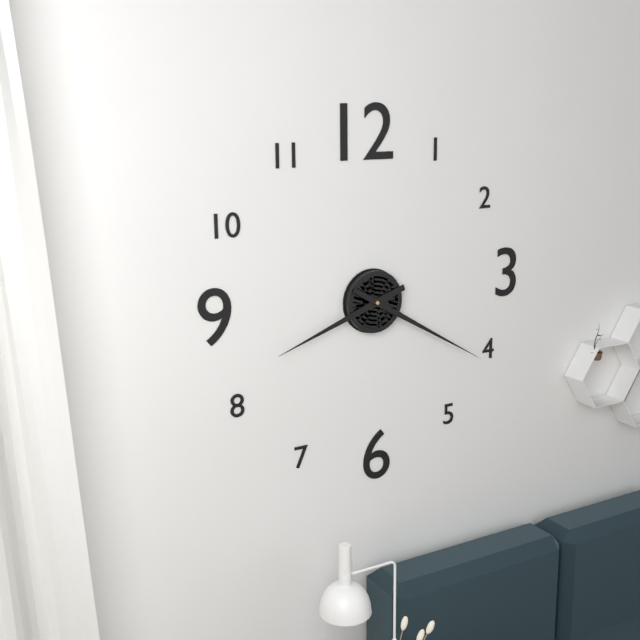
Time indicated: 8h20
